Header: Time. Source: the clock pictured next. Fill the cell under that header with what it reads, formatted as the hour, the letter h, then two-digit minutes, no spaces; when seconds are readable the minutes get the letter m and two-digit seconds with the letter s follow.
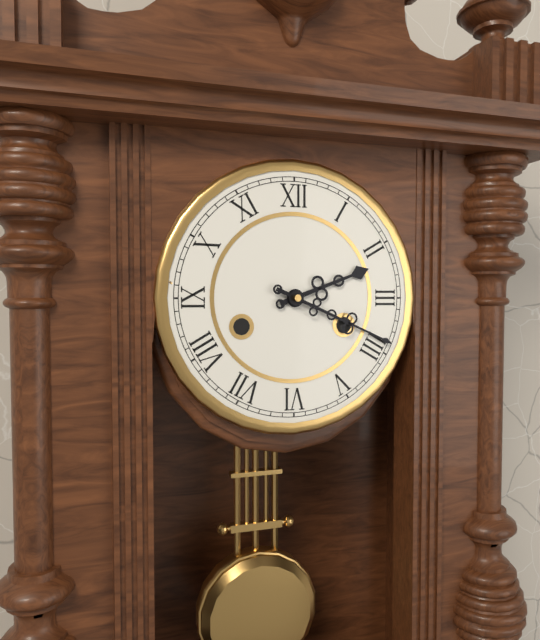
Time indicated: 2h19
